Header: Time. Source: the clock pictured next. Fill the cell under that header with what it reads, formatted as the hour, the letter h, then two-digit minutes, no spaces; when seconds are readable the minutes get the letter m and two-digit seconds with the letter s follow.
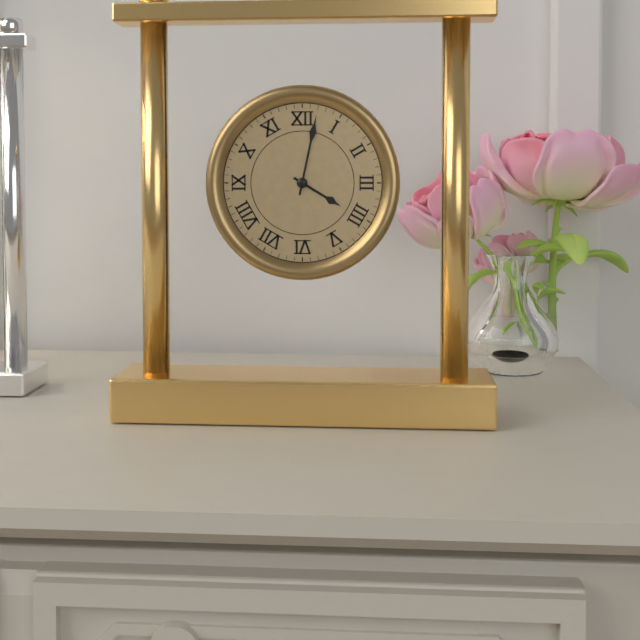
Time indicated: 4h02
